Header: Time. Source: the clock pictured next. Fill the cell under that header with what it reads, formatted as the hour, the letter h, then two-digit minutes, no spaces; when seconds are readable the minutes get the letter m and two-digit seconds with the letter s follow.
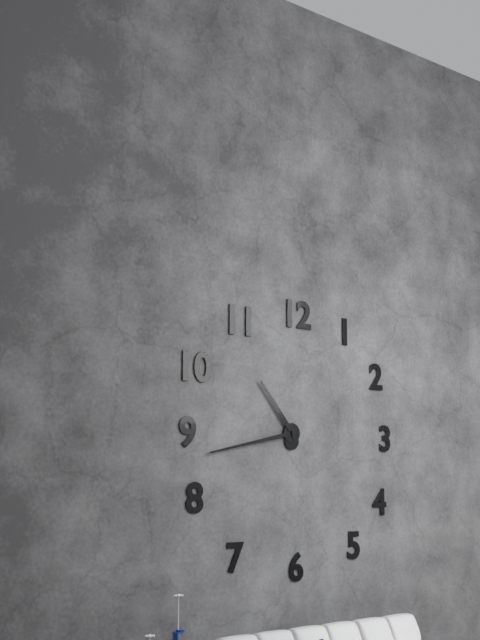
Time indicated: 10h43
